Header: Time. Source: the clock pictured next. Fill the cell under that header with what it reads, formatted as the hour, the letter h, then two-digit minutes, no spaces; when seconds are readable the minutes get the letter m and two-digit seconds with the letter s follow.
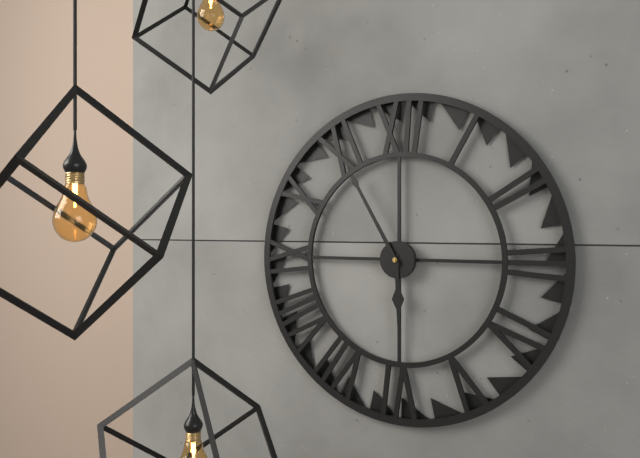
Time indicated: 5h55
